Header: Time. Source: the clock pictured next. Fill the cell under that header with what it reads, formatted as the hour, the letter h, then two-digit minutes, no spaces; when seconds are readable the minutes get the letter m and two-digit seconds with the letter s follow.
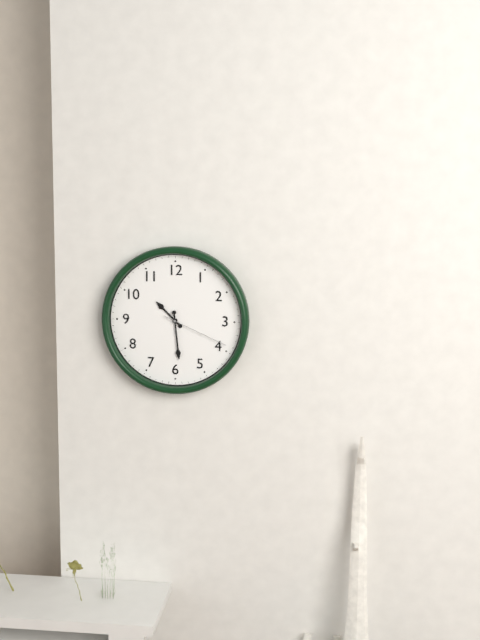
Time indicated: 10h29m19s
